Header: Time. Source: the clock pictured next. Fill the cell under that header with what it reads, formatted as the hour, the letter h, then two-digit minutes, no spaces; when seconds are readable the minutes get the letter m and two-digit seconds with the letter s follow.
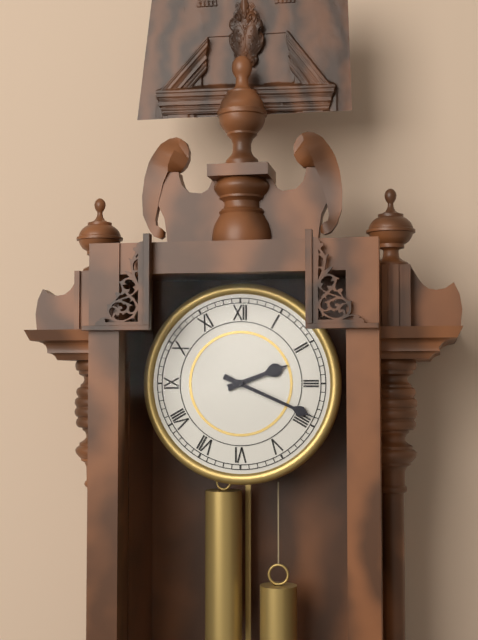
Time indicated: 2h19
